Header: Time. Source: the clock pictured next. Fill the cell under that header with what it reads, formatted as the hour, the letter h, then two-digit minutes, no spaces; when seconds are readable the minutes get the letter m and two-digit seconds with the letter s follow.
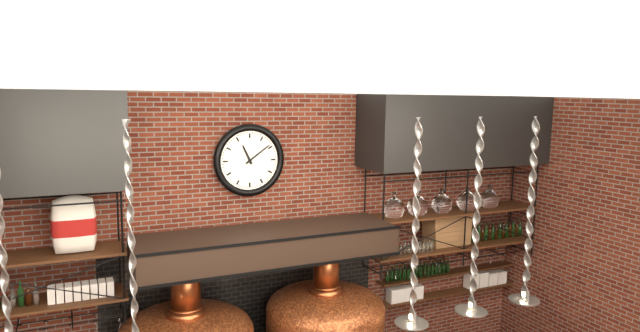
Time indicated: 11h09
